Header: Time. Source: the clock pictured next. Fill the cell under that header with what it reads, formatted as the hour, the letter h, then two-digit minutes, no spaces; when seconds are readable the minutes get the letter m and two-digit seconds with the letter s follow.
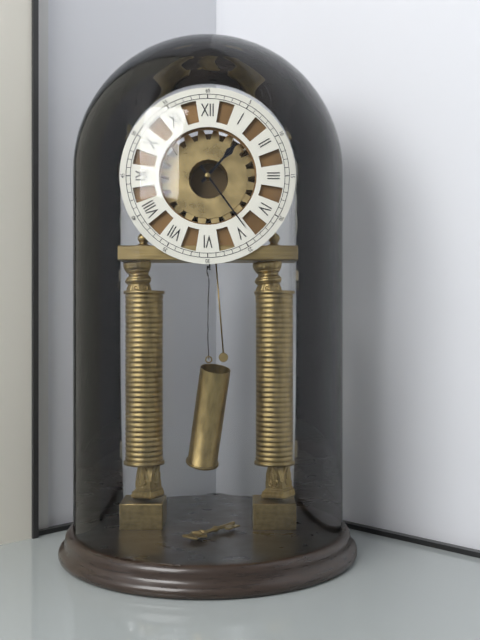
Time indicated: 1h24
